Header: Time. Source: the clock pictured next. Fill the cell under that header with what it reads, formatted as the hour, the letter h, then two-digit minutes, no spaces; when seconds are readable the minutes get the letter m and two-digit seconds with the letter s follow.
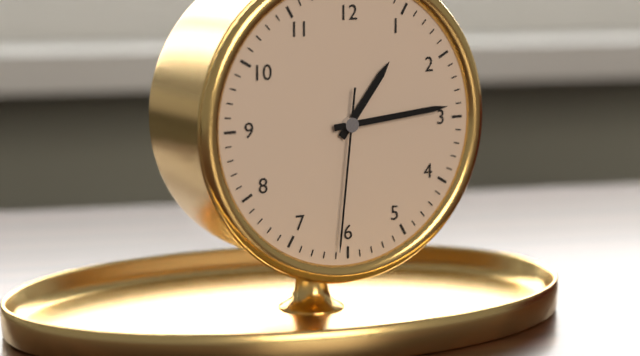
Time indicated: 1h14m31s
